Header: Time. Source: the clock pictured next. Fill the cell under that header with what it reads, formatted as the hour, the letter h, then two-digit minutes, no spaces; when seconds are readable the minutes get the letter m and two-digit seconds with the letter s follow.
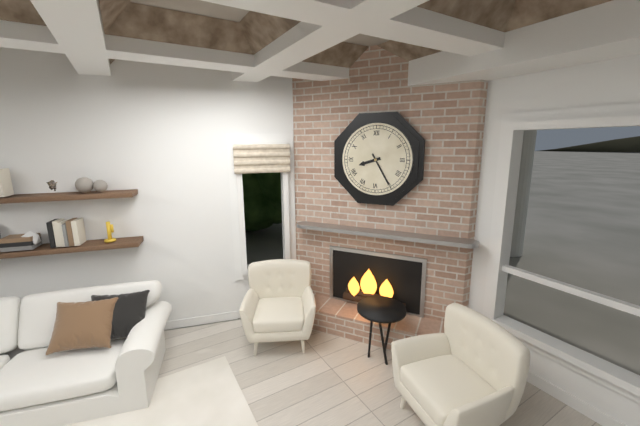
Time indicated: 8h25
